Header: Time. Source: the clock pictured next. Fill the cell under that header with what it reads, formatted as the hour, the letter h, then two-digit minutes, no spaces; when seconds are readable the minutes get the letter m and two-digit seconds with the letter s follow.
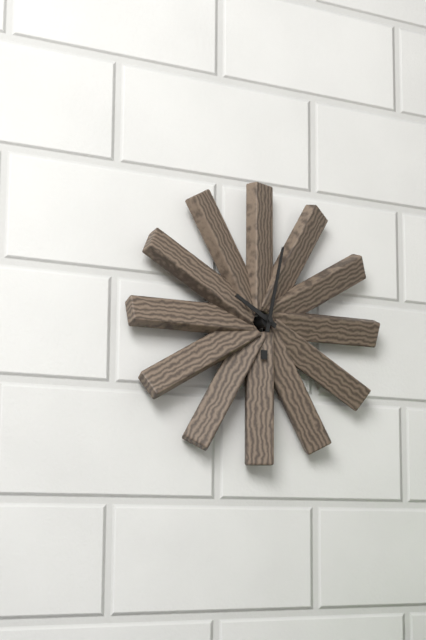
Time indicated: 10h02
